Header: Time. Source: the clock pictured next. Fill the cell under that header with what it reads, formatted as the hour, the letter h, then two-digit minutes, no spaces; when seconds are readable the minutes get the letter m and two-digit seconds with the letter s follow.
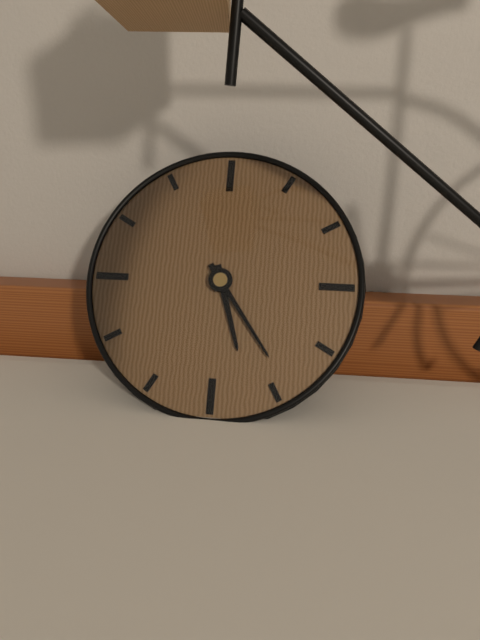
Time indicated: 5h24
